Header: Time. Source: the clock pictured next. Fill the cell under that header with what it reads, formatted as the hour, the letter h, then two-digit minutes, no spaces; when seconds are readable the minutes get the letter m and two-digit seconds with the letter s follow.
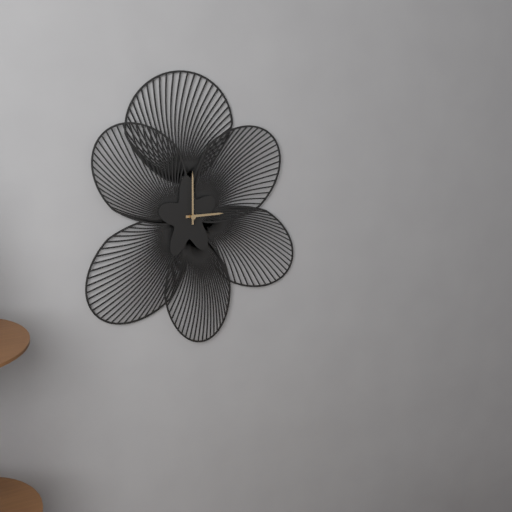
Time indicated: 3h00
